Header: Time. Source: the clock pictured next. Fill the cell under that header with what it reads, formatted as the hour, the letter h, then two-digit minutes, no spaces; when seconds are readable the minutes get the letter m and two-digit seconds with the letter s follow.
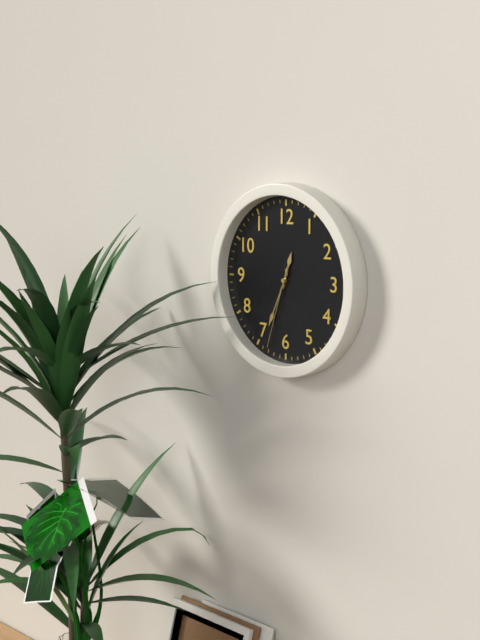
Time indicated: 12h34m33s
